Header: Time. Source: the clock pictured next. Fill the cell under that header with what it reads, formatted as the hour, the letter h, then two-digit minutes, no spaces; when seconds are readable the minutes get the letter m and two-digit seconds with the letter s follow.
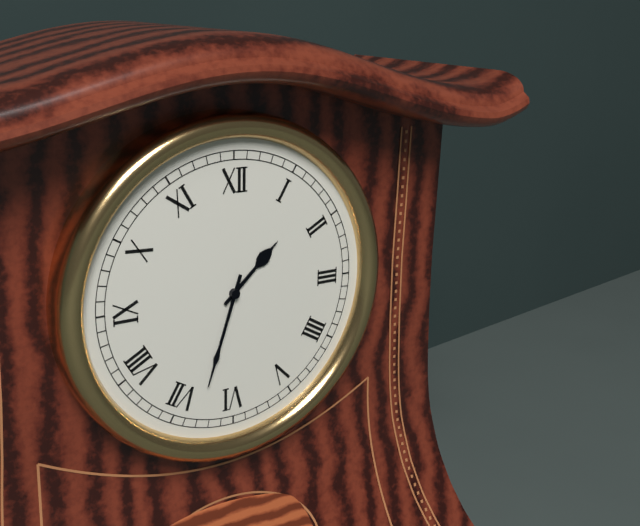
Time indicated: 1h33
